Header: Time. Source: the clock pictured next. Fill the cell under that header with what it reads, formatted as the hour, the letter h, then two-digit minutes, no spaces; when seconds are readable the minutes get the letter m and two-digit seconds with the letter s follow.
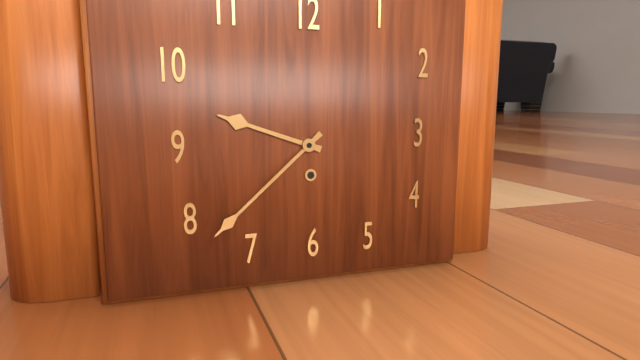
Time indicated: 9h38
